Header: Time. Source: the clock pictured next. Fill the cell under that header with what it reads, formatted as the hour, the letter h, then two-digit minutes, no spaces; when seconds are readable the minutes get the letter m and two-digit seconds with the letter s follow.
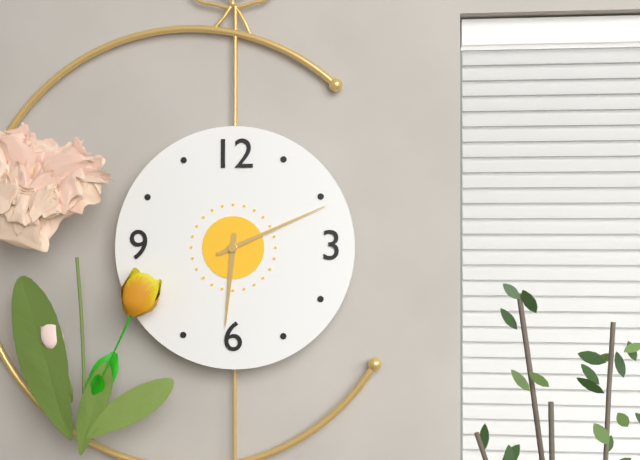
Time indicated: 6h11
